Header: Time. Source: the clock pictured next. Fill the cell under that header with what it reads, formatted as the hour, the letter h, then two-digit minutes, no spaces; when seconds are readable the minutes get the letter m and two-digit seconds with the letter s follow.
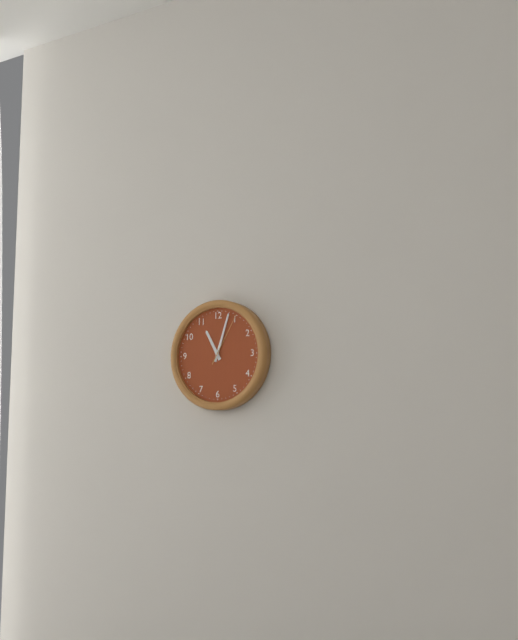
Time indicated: 11h03m05s
